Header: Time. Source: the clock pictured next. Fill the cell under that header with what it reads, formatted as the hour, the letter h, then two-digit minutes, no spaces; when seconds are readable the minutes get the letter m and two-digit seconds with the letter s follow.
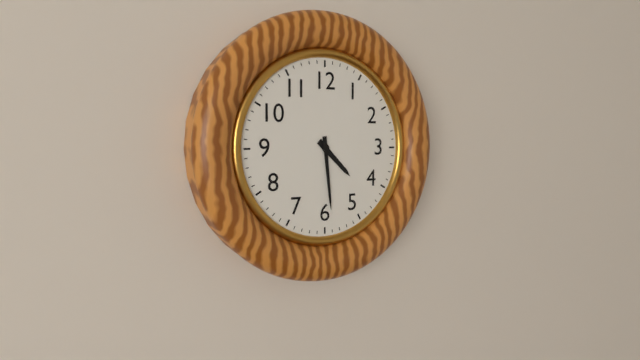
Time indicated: 4h29
